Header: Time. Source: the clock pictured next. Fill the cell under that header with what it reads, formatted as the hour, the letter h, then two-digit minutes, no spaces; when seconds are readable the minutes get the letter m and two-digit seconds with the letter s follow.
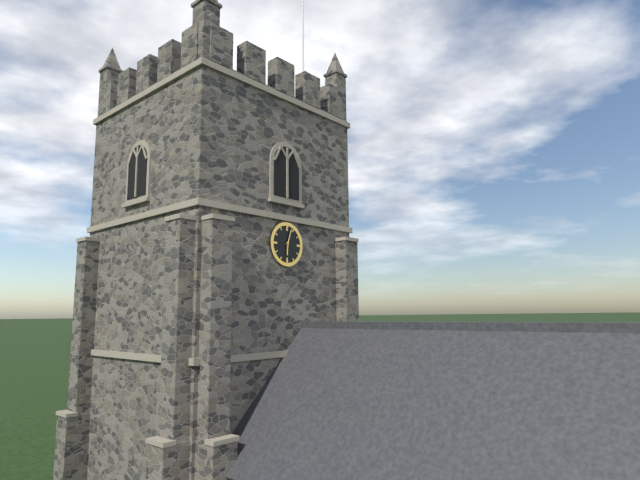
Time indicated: 6h03
